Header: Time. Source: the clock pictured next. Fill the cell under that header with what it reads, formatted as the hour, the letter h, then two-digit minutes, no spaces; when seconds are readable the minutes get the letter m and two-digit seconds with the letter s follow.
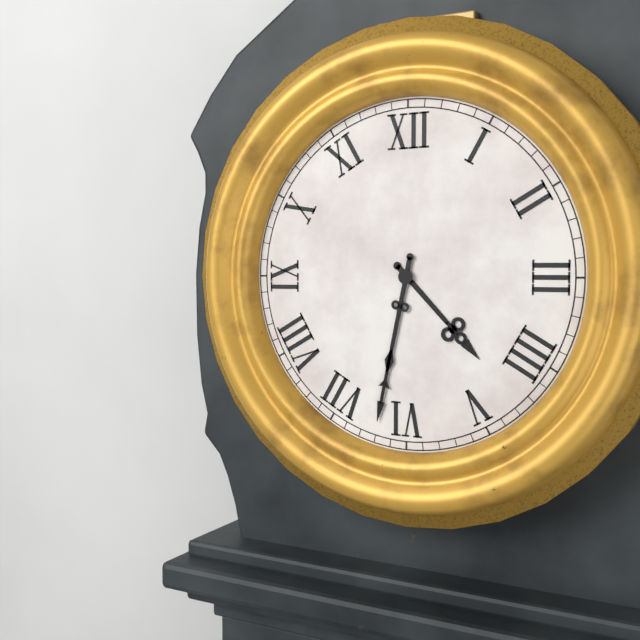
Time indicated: 4h32
